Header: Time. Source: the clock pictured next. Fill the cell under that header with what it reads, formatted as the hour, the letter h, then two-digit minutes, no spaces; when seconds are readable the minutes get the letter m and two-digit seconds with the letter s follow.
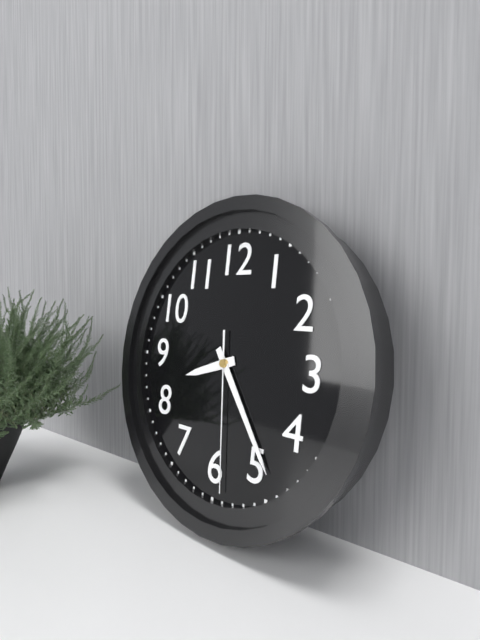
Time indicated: 8h24m29s
